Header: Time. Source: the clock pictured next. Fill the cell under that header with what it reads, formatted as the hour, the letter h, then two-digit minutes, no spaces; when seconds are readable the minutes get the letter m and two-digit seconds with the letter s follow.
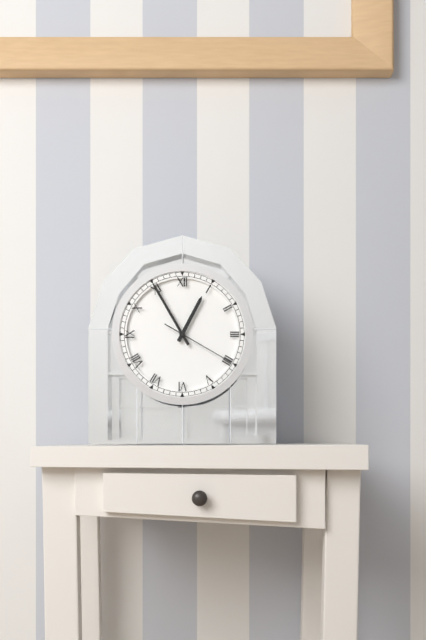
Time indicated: 12h55m20s
